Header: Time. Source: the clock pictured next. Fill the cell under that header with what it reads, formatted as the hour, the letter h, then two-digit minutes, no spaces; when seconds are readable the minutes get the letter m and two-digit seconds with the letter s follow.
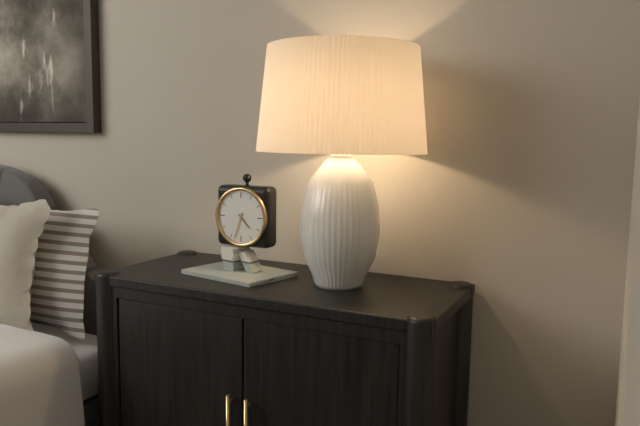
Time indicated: 4h33
